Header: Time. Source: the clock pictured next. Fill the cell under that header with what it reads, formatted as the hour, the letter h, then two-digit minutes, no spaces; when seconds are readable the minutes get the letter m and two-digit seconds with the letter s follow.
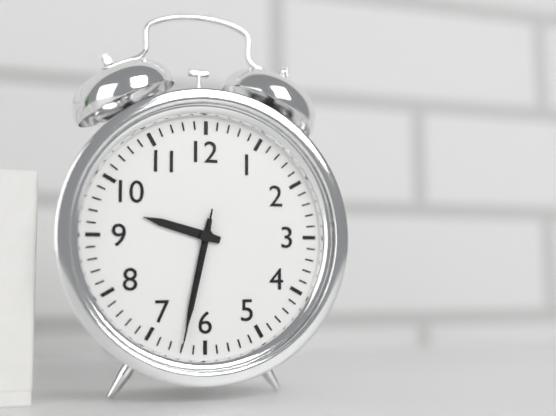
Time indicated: 9h32m32s
